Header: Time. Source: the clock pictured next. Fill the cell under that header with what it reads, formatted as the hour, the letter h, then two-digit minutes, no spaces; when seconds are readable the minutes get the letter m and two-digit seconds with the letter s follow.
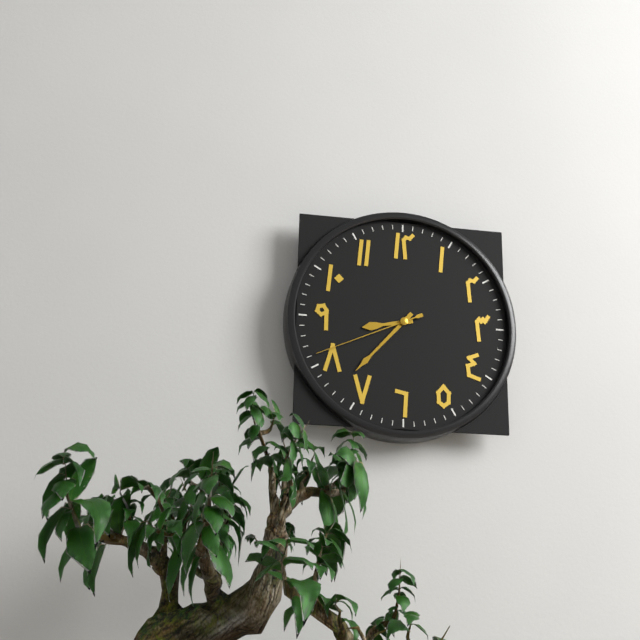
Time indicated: 8h37m41s
